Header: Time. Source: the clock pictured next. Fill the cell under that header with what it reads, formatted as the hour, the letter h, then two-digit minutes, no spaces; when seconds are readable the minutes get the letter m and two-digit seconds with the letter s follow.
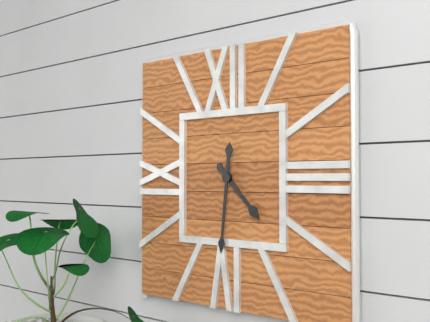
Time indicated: 4h31
